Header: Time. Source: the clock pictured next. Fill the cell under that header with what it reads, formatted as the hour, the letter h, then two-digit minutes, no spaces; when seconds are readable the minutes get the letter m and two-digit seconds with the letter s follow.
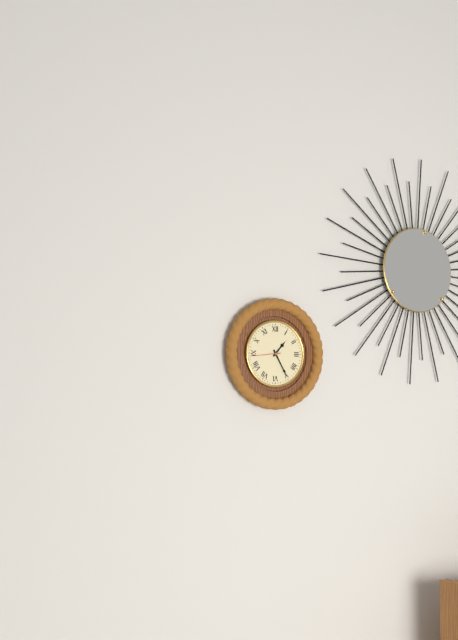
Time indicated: 1h25
